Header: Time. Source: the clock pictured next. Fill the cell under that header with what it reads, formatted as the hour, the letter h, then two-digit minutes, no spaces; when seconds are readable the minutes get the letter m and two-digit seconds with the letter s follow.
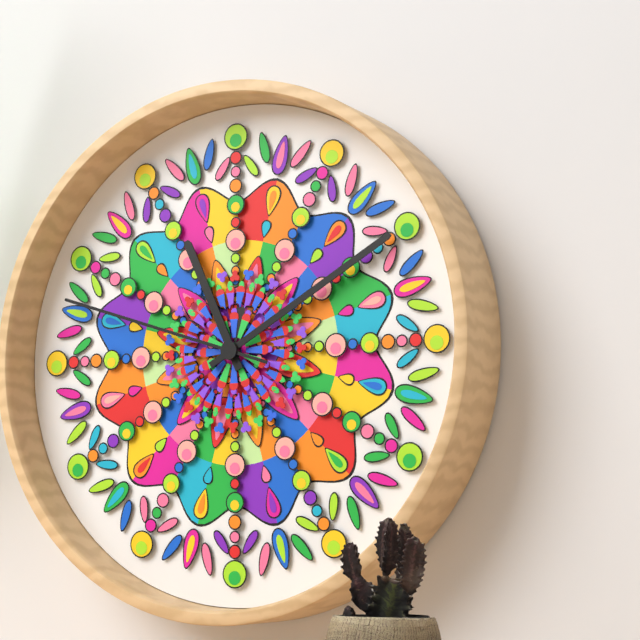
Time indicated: 11h10m48s
